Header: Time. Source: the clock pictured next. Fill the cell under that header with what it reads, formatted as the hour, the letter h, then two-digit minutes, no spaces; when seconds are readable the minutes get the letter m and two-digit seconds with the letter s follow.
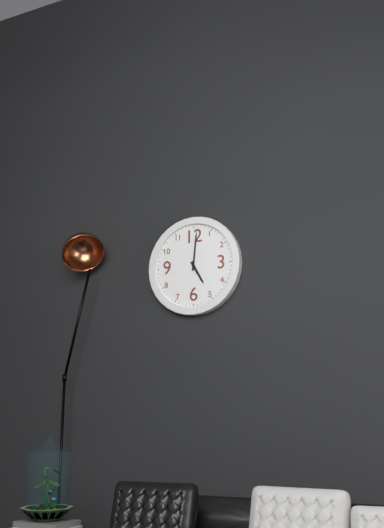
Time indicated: 5h01
